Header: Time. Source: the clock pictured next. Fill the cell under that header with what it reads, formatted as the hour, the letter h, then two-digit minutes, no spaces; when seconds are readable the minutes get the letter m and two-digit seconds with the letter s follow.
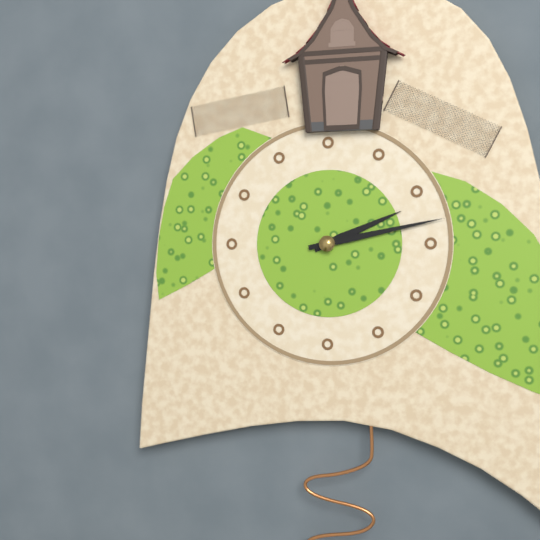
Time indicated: 2h13
